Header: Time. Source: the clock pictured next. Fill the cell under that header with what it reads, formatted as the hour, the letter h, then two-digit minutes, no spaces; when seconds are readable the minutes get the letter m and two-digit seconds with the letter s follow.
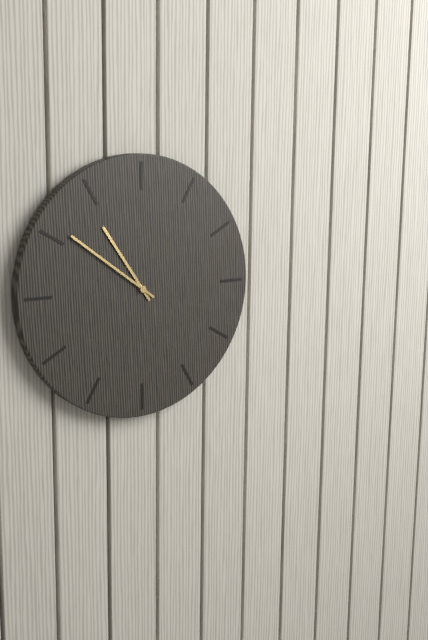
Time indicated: 10h51
